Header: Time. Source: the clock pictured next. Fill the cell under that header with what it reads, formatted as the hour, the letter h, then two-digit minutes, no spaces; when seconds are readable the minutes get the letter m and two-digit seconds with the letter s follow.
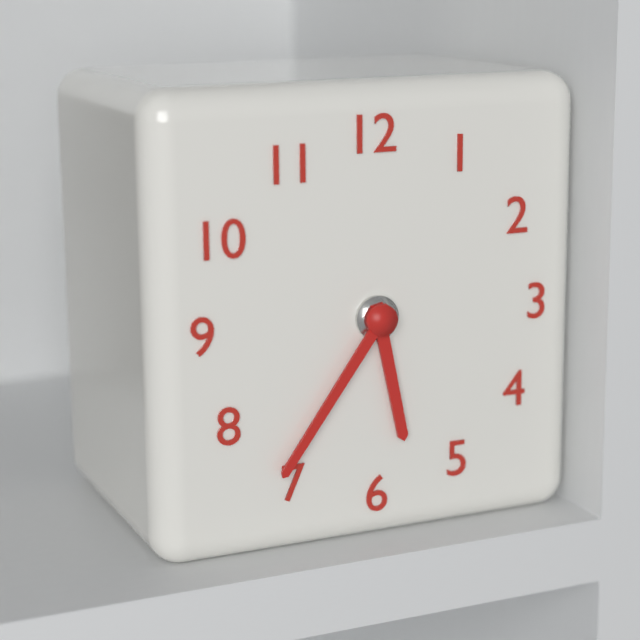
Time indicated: 5h36
